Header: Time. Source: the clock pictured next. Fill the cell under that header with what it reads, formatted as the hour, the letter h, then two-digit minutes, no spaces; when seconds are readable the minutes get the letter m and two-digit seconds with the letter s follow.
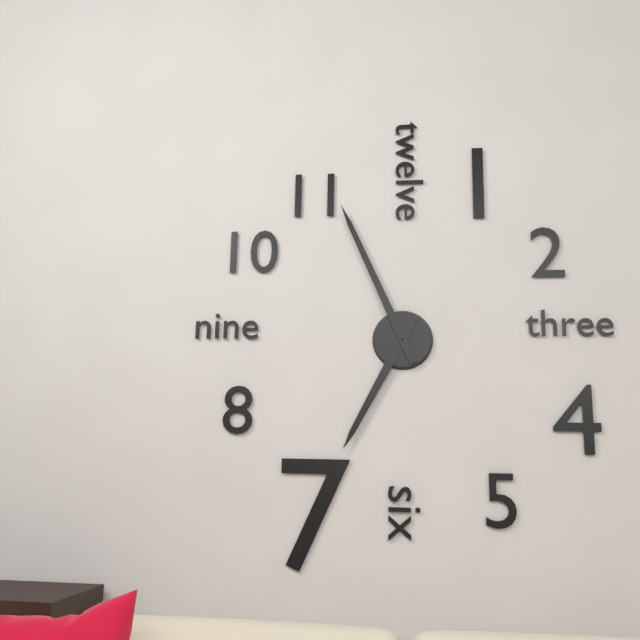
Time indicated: 6h56
